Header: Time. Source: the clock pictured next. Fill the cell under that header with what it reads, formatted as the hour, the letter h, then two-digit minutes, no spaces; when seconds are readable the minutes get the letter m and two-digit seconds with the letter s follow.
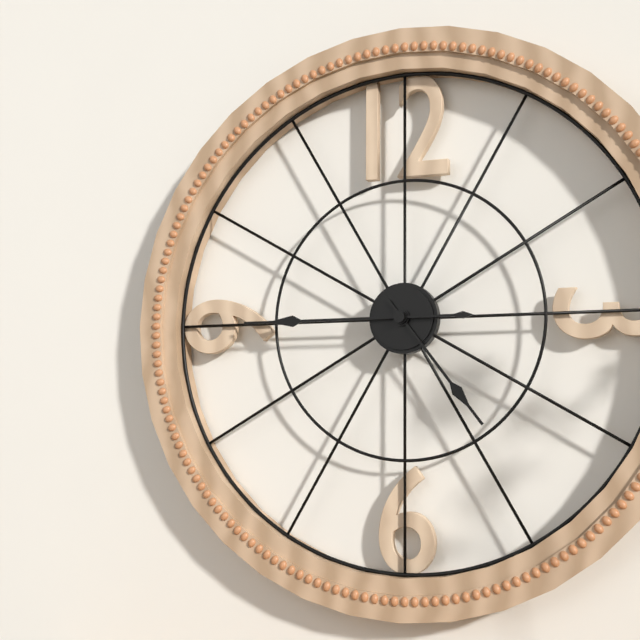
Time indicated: 4h45
